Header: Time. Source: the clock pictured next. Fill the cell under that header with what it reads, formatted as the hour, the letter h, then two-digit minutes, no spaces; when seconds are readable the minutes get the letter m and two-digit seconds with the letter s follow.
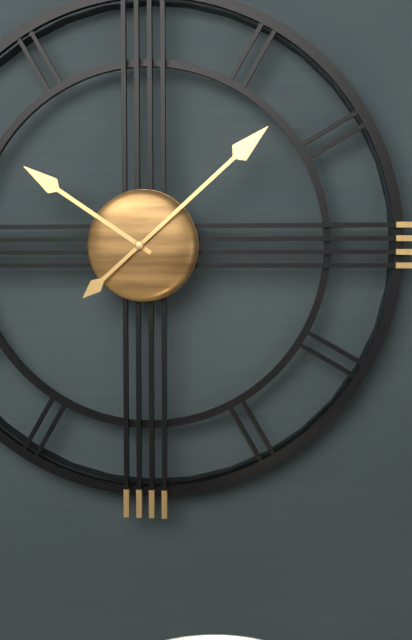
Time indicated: 10h08
